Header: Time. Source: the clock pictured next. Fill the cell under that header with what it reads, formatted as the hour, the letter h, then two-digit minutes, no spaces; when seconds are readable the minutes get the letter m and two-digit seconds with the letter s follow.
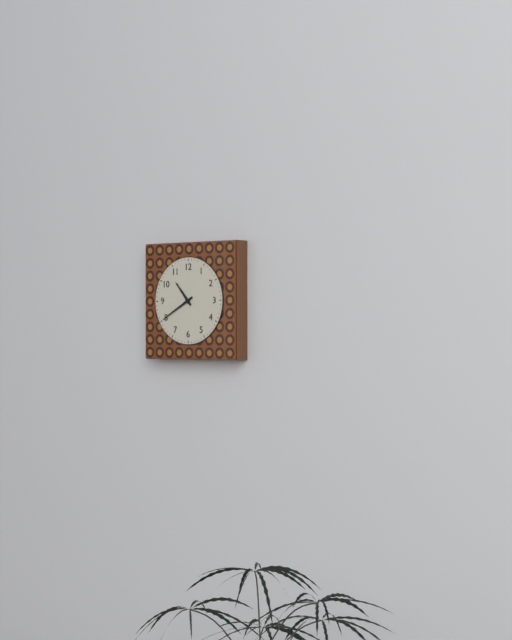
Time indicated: 10h40
